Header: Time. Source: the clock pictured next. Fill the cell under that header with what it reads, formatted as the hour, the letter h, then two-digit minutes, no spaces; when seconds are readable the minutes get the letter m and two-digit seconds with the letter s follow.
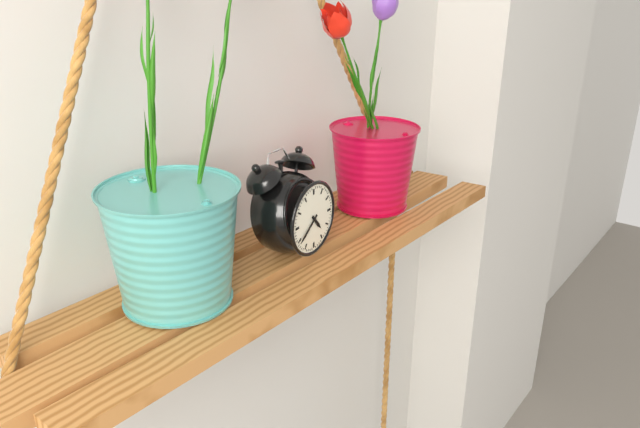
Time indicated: 4h39
